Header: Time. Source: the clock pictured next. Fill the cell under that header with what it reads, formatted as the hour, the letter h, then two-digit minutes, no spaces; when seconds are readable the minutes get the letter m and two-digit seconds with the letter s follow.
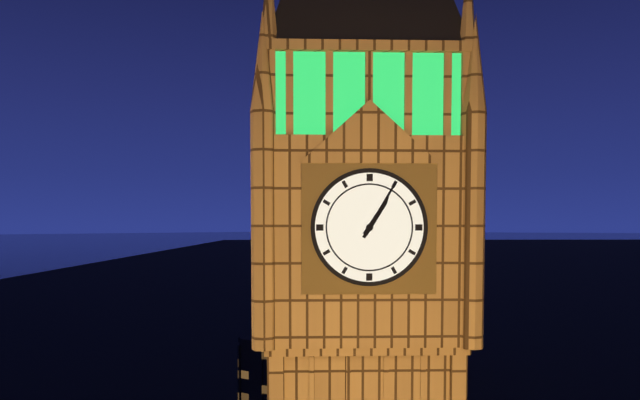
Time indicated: 1h05
